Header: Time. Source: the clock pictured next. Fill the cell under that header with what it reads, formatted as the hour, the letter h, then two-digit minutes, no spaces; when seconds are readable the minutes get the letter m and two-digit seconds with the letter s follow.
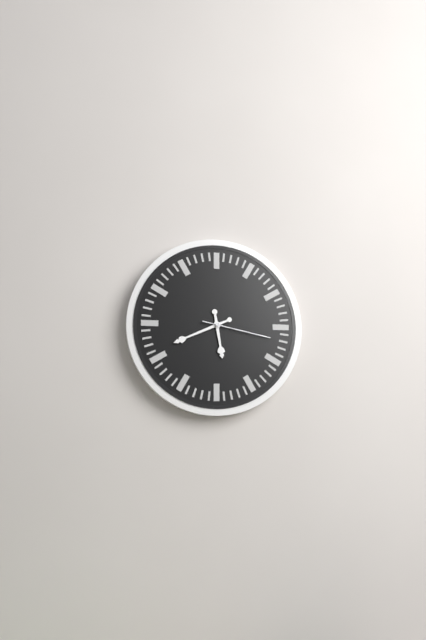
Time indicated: 5h41m17s
